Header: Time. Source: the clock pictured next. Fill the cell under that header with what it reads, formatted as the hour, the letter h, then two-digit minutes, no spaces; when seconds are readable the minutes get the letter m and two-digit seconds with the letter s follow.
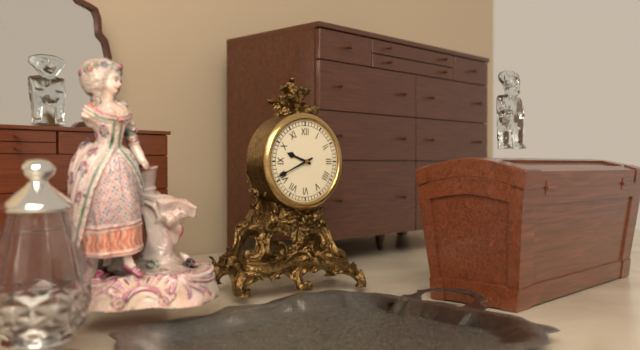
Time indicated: 9h41
